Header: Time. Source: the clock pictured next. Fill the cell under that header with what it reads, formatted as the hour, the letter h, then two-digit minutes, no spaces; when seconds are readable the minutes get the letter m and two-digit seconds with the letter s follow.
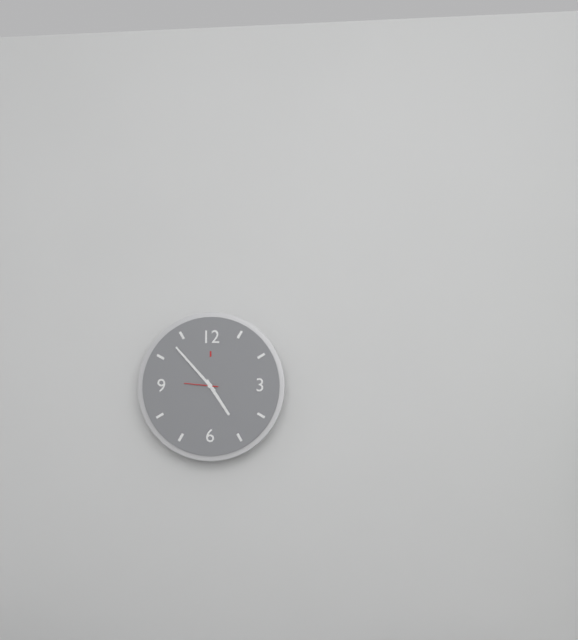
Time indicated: 4h53
